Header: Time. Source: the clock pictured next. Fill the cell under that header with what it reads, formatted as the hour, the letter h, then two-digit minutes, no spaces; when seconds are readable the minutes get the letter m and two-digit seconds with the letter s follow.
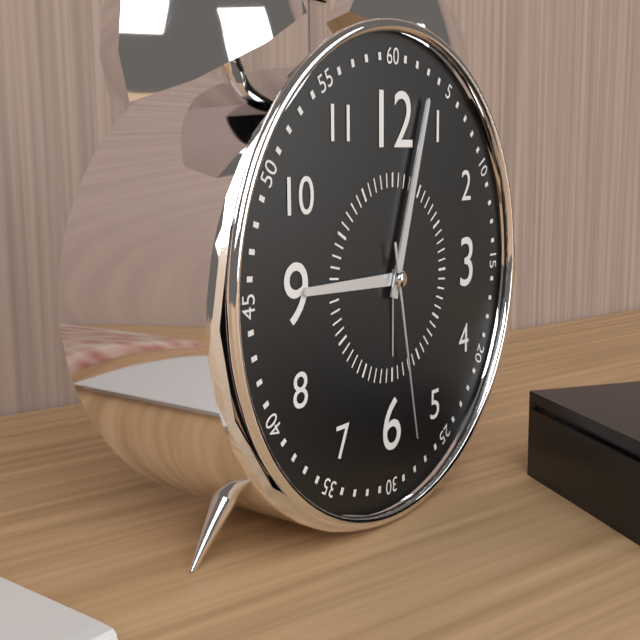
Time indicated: 9h03m28s
